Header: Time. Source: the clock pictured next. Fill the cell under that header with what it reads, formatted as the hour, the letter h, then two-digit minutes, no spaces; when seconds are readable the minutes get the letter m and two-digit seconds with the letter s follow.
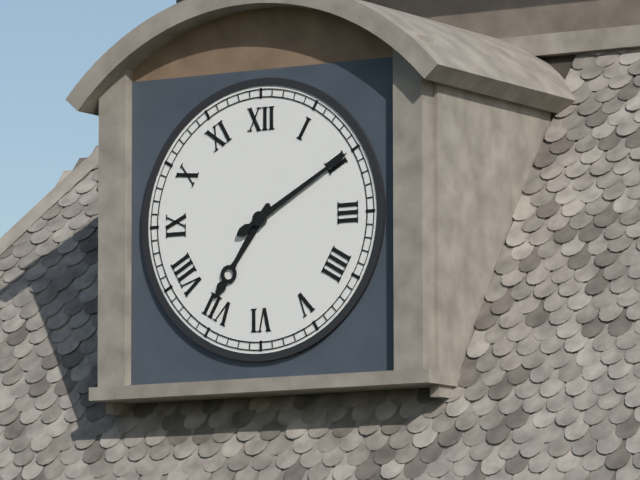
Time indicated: 7h10
